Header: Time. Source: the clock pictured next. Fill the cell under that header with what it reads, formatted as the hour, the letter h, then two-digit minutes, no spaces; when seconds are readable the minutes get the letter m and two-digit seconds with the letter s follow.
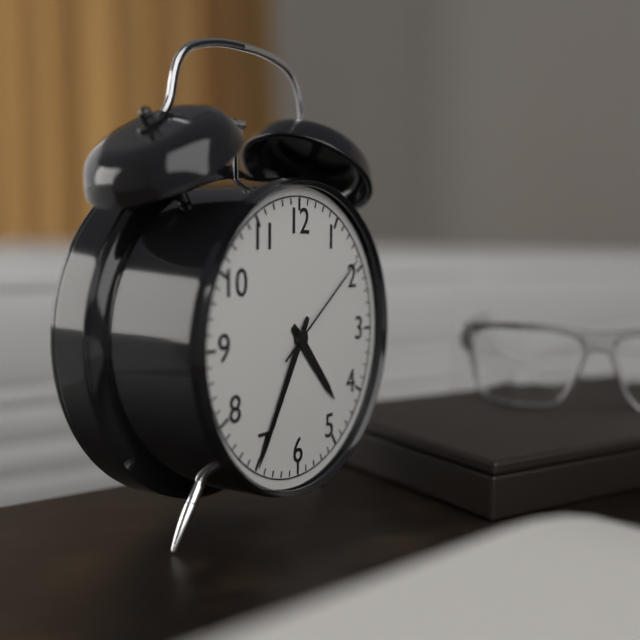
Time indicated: 4h35m09s
